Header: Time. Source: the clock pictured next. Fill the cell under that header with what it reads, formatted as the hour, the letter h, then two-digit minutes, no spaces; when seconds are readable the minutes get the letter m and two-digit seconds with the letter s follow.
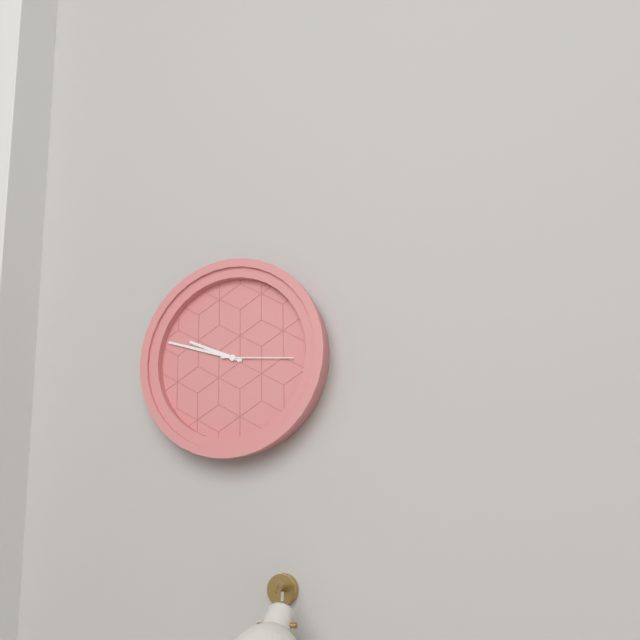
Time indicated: 9h48m16s
